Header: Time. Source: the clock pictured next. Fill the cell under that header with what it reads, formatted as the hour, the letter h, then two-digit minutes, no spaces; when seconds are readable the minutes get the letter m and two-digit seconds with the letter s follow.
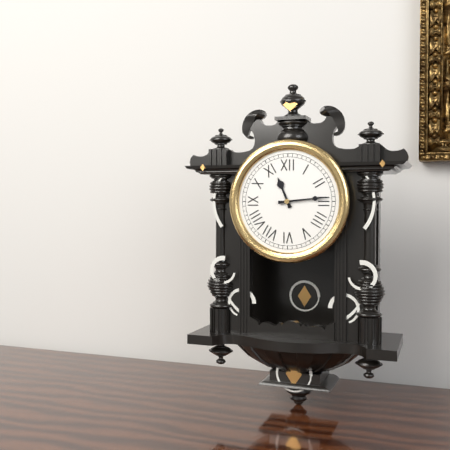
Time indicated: 11h14
